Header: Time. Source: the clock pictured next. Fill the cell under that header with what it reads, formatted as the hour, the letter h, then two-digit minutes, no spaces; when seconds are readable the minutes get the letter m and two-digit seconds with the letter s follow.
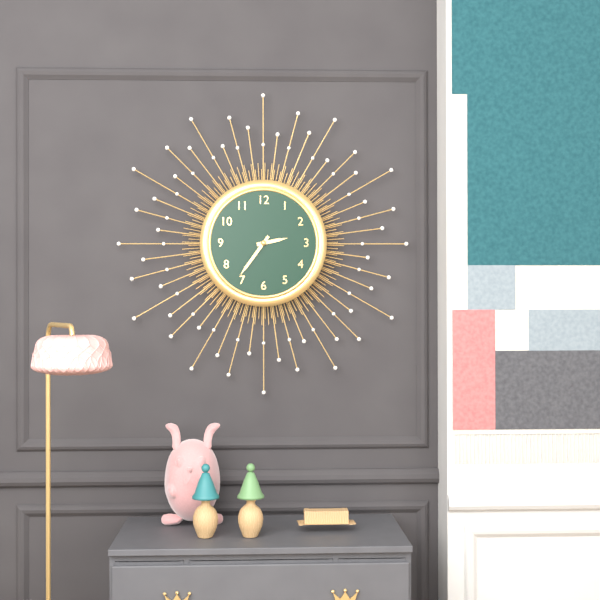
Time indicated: 2h36
